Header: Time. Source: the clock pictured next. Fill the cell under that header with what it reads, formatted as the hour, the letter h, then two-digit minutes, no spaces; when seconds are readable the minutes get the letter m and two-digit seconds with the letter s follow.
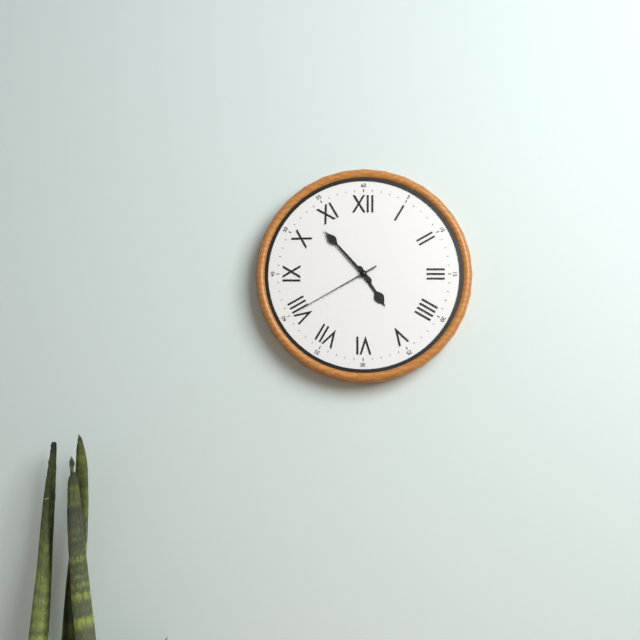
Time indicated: 4h53m40s
